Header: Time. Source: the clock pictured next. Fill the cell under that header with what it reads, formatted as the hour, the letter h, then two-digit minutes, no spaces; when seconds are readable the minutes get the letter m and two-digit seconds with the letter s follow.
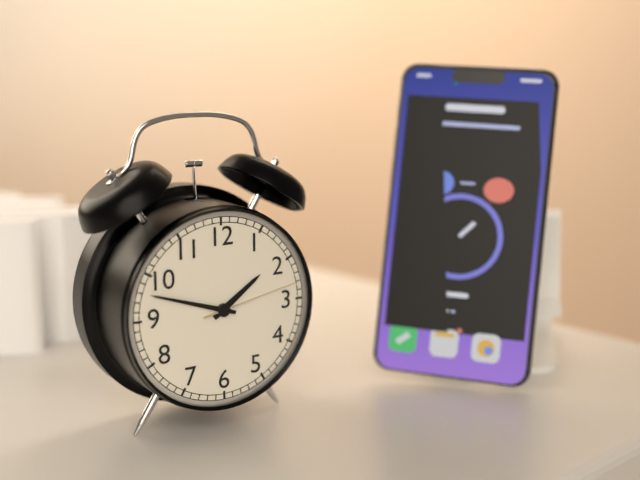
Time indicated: 1h48m13s
